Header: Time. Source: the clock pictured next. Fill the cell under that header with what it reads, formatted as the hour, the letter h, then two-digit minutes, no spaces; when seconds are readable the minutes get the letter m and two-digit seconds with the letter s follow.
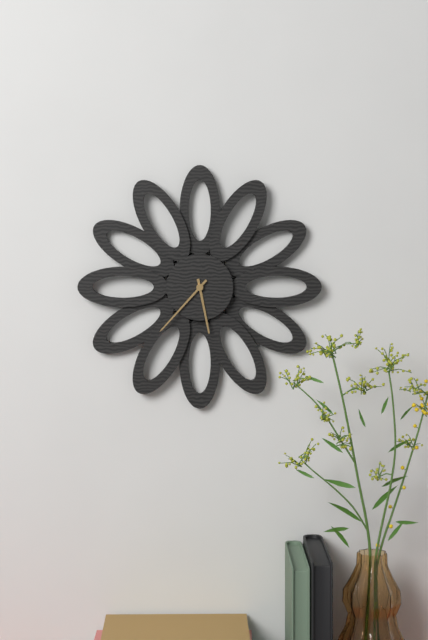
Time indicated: 5h37
